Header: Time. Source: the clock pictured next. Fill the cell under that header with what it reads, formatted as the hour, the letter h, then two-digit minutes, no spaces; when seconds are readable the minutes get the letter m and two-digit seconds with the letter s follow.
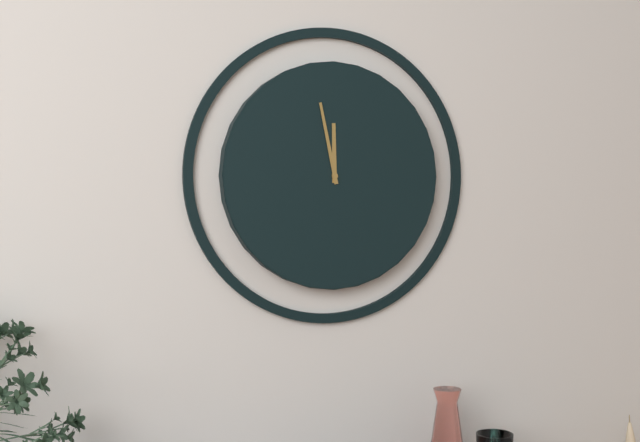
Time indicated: 11h58
